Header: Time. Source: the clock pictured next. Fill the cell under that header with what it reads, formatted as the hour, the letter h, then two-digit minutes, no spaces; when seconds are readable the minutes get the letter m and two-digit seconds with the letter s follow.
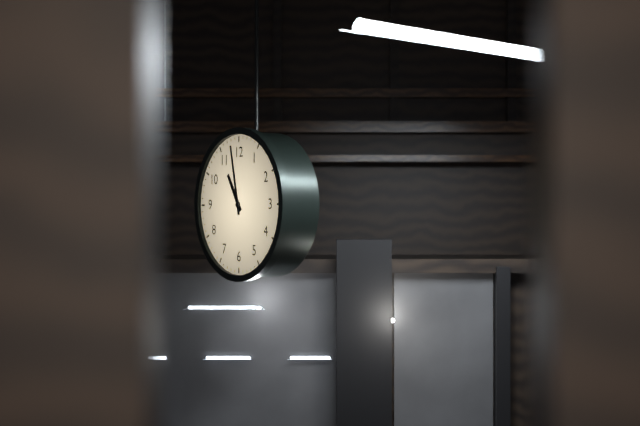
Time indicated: 10h58
